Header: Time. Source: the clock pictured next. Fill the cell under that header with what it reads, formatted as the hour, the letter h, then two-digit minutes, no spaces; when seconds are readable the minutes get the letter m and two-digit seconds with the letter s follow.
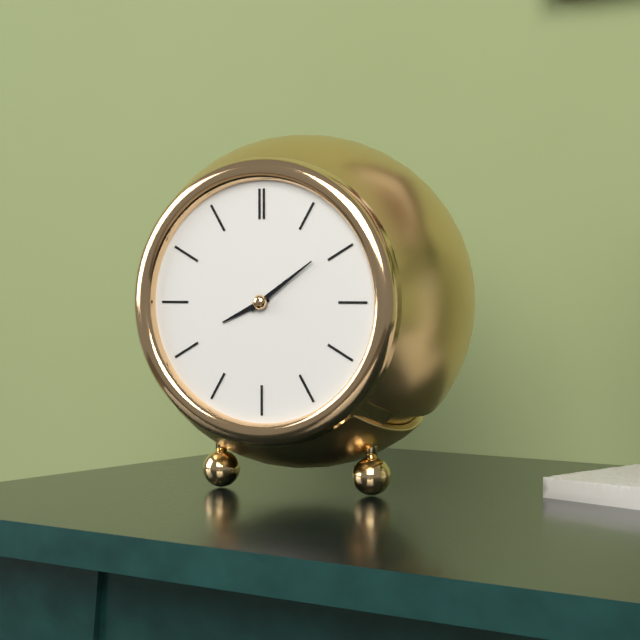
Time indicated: 8h09
